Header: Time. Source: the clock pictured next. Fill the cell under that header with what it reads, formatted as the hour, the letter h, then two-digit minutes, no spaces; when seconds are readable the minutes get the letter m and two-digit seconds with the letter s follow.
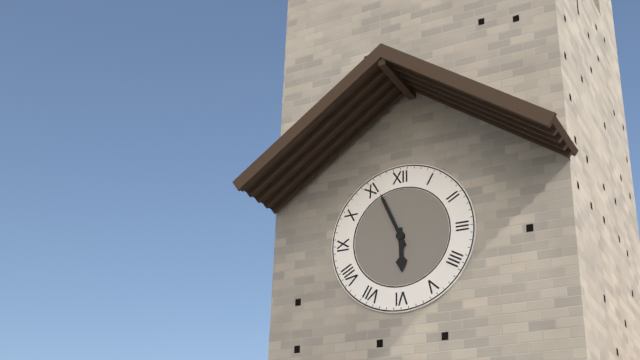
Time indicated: 5h56
